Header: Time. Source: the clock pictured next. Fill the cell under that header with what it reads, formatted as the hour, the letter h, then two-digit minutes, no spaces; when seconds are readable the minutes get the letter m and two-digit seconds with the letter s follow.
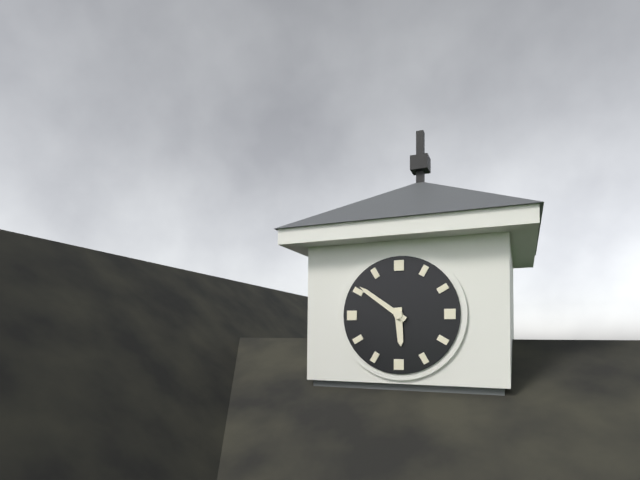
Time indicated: 5h51
